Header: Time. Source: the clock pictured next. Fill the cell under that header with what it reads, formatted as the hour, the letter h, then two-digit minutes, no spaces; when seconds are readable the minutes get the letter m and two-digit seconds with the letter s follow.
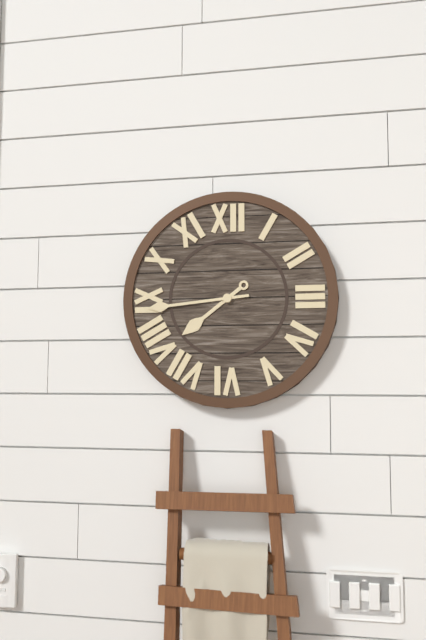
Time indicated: 7h44
